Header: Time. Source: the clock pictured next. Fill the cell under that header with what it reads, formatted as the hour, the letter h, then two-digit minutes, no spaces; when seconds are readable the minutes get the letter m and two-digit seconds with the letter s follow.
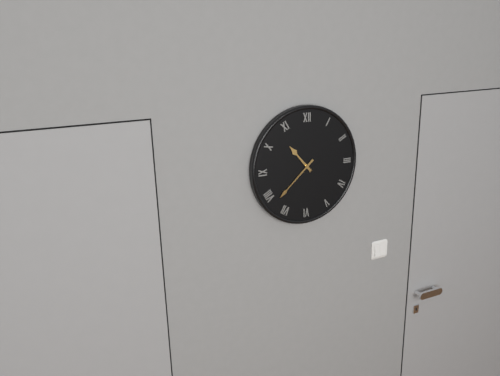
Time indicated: 10h38
